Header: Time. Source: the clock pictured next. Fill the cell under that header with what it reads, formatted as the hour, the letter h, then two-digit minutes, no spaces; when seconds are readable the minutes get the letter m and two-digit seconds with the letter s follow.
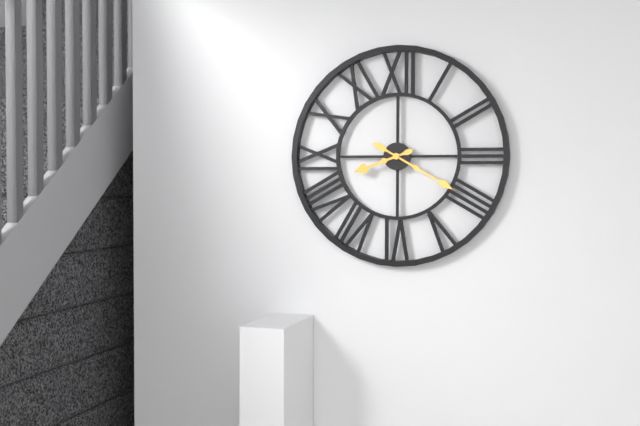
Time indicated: 8h20
